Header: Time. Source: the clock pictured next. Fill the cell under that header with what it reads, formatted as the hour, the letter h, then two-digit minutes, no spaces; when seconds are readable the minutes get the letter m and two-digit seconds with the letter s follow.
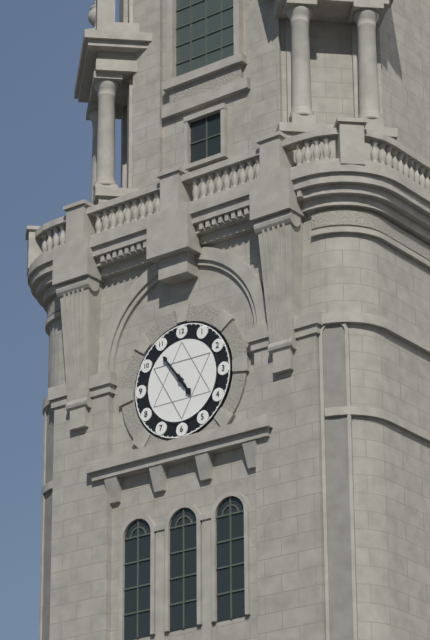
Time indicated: 4h54
